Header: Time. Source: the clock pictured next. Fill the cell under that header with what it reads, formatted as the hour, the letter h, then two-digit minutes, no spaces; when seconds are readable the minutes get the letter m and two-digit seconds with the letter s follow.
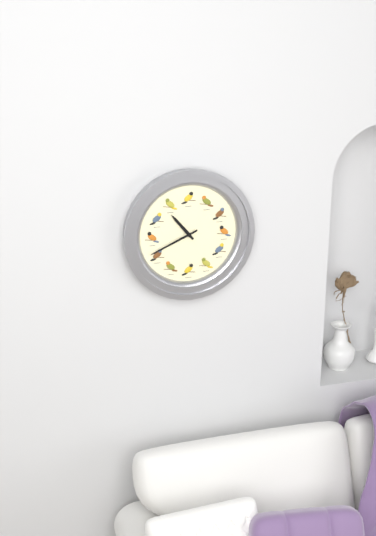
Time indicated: 10h41
